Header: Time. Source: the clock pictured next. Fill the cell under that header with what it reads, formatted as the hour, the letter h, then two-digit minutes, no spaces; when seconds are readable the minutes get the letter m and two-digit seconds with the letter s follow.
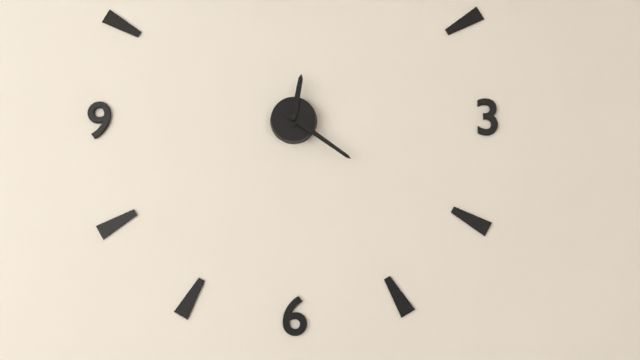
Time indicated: 12h21
